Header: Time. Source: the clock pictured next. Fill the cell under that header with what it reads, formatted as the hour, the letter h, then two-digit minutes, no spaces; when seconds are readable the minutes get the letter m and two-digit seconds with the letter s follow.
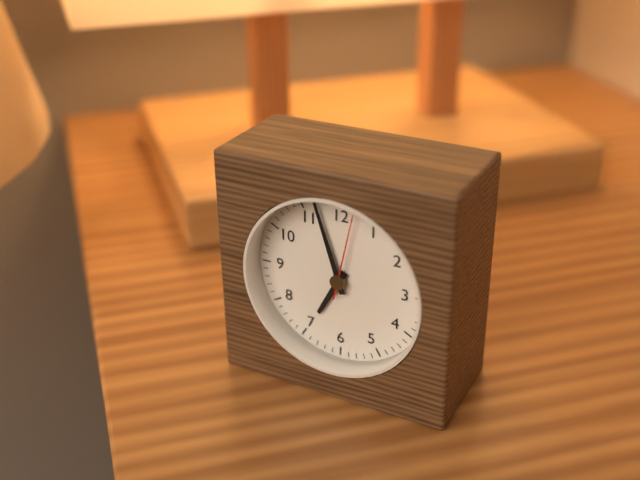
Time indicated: 6h57m02s
